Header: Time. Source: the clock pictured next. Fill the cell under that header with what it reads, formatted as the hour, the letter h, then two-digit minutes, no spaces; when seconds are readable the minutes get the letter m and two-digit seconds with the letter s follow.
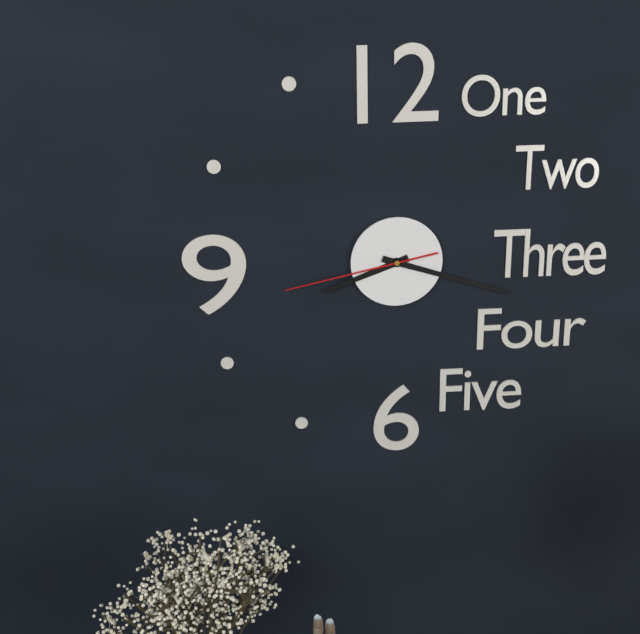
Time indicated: 8h18m43s
